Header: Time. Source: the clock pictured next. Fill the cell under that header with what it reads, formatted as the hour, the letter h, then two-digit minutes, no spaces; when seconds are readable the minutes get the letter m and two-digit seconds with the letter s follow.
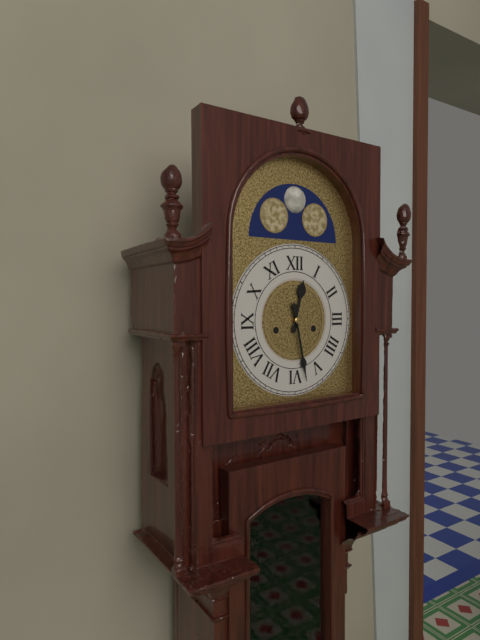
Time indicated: 12h28
